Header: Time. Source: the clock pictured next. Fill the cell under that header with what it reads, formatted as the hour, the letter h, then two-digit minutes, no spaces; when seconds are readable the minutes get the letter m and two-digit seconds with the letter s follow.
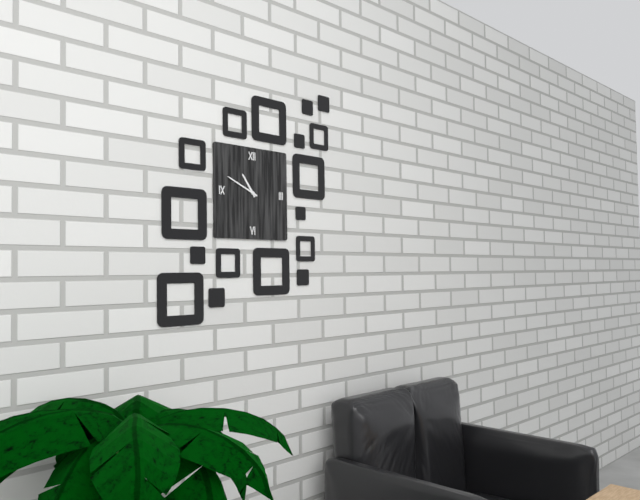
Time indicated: 10h49
